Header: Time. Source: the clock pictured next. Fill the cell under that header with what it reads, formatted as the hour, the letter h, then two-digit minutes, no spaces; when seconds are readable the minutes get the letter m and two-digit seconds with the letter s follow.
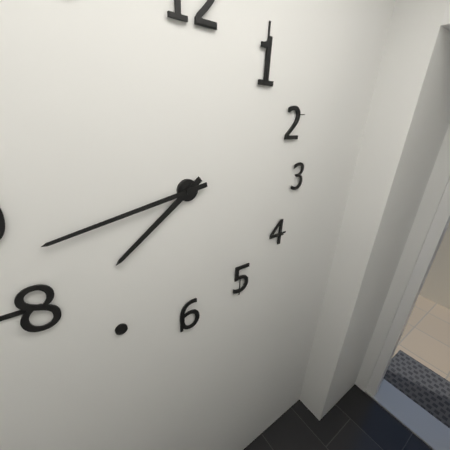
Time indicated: 7h43
